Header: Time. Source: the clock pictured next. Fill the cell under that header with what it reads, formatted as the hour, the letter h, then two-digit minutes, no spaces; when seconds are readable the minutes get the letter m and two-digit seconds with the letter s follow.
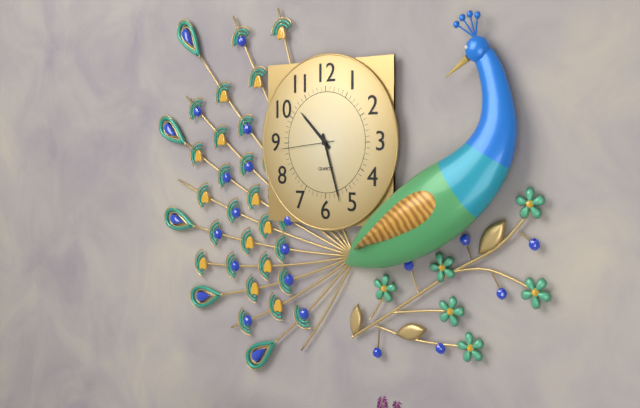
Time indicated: 10h27m44s
